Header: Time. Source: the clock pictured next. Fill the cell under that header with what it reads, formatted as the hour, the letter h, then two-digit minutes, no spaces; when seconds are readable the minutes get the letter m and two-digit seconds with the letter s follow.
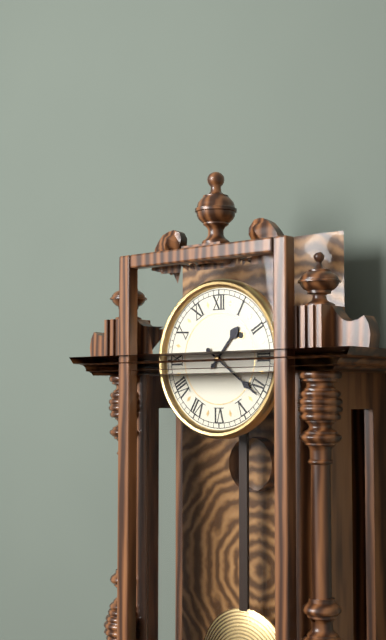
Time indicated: 1h21
